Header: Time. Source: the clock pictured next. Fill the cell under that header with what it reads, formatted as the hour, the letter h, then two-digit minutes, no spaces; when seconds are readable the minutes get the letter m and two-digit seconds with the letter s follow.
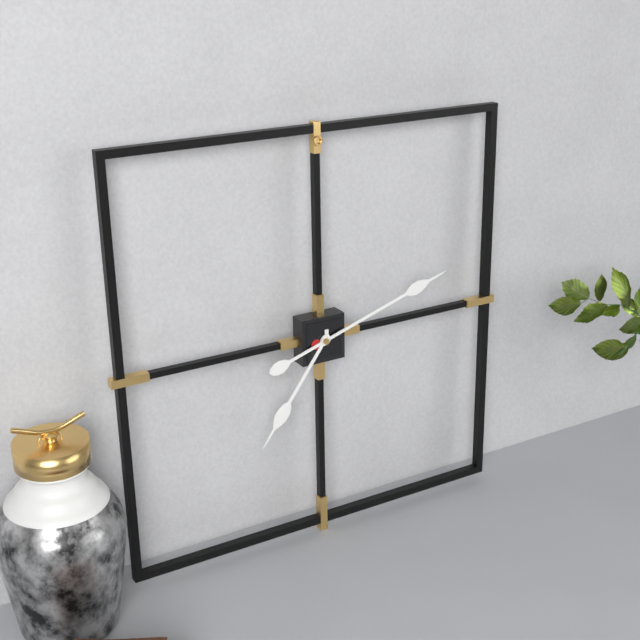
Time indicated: 7h12
